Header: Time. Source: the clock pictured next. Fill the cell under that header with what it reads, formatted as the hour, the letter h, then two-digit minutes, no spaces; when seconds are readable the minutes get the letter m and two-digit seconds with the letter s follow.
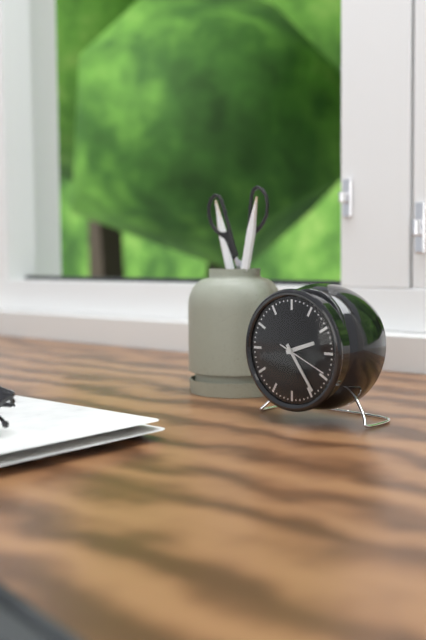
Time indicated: 2h24m19s
